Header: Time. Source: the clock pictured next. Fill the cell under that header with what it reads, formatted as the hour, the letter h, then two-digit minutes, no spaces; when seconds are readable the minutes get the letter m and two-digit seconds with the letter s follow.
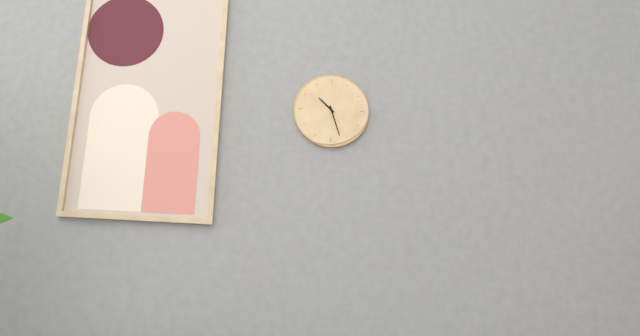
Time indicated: 10h27
